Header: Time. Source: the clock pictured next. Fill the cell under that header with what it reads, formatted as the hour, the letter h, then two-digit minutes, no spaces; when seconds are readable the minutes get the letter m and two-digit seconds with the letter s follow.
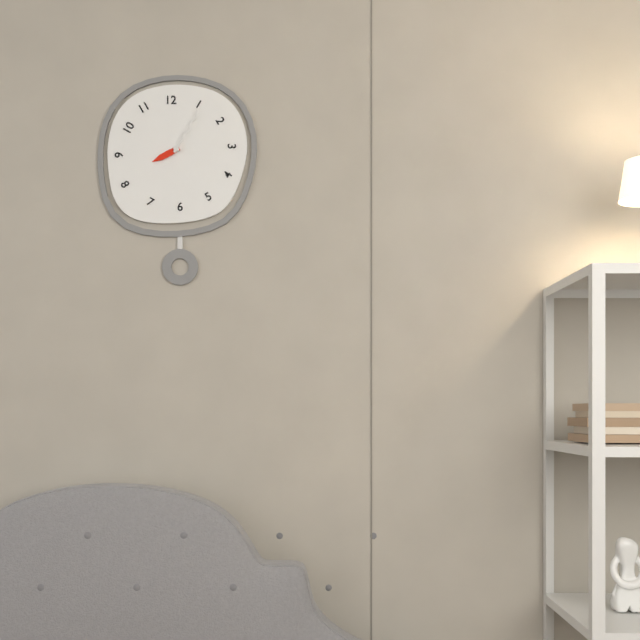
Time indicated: 8h05
